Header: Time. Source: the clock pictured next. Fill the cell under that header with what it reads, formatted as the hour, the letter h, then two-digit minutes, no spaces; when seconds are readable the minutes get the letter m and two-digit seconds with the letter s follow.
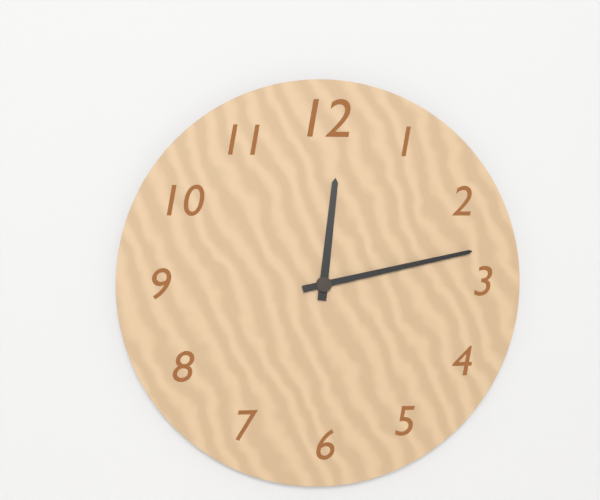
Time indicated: 12h13
